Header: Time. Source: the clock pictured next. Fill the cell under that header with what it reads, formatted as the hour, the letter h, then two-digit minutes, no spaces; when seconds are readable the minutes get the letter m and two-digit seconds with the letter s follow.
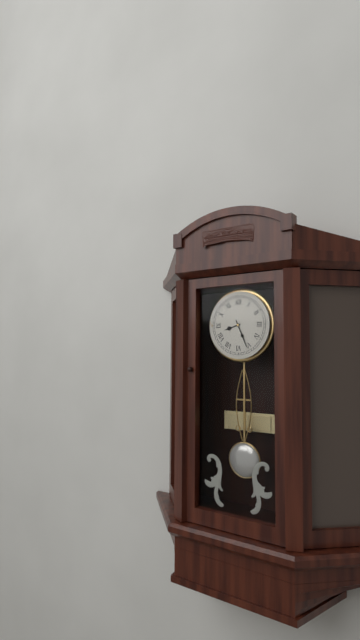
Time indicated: 8h26
